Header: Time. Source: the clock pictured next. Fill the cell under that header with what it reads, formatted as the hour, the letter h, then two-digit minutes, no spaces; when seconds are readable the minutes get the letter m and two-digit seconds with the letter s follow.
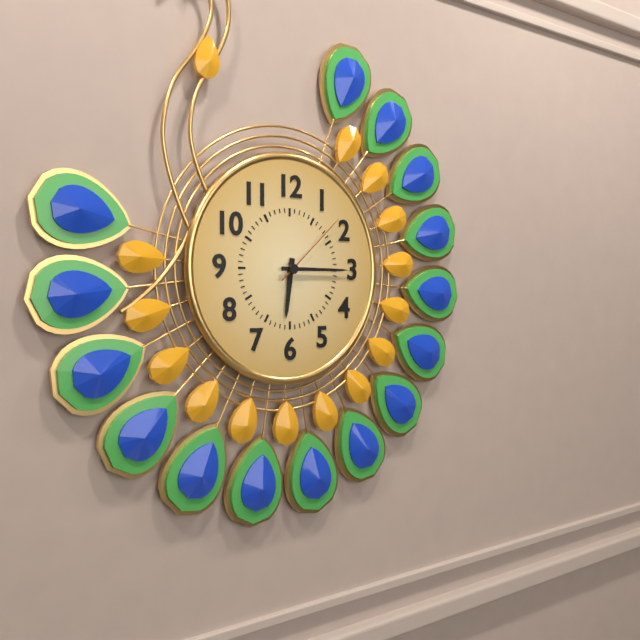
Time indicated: 6h15m08s
